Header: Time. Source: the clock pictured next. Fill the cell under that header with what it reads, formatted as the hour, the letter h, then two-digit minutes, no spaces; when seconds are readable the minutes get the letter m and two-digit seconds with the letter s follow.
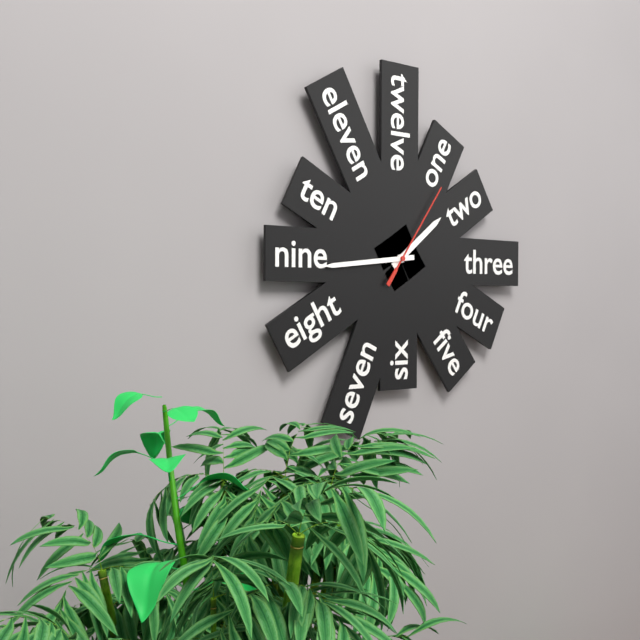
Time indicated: 1h44m06s
